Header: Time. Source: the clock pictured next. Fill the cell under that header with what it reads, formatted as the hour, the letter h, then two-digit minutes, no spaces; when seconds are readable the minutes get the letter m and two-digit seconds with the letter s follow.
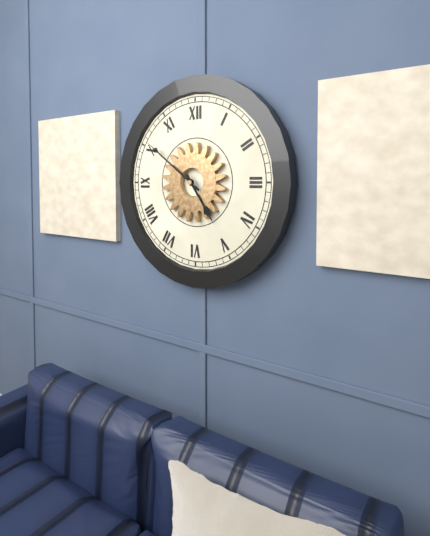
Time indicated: 4h51
